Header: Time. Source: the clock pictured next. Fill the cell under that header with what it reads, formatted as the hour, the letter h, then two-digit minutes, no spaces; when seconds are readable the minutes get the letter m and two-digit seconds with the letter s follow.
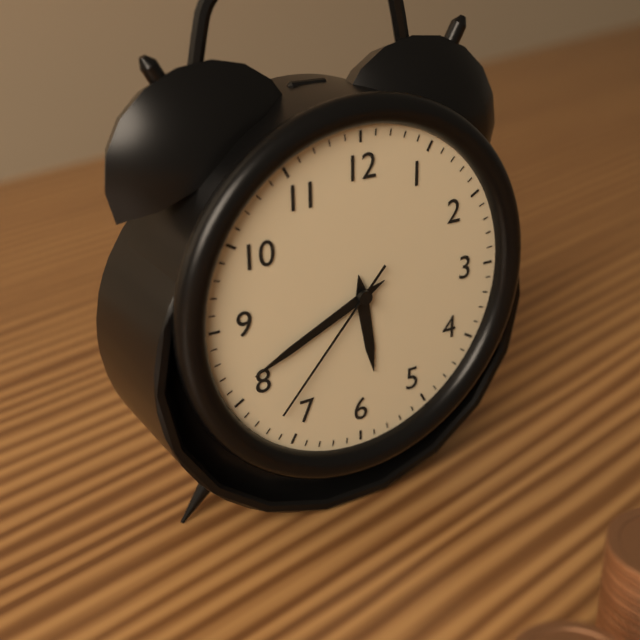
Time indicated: 5h41m37s
